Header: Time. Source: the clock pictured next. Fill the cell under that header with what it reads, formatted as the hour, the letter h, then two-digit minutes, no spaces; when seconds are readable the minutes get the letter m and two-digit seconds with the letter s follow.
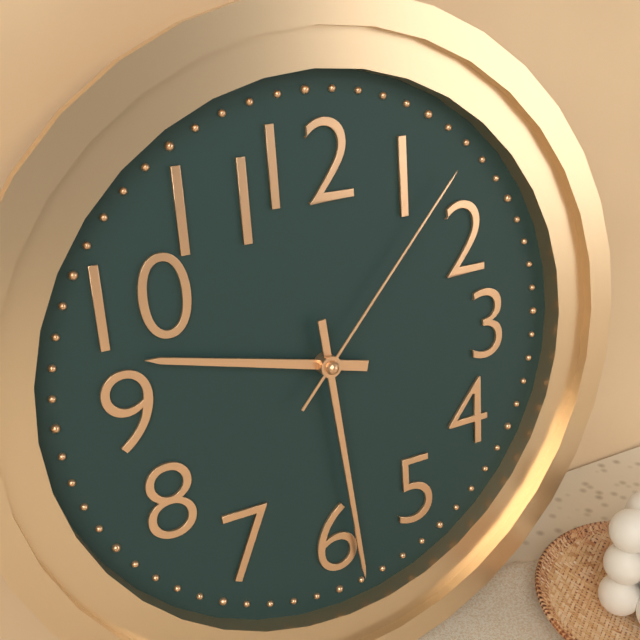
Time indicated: 9h29m07s
